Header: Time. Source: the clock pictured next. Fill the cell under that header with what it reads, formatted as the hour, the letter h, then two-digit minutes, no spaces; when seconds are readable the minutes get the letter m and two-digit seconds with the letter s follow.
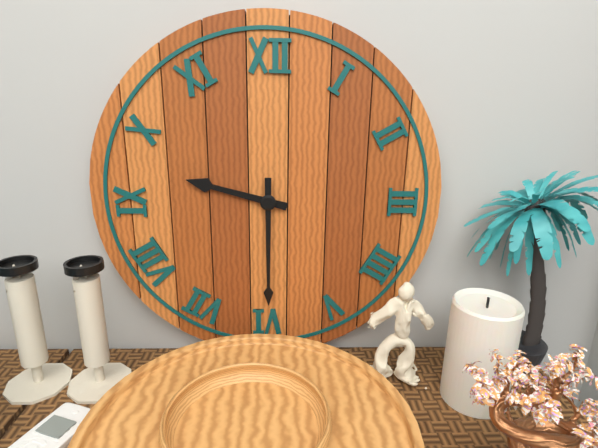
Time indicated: 9h30
